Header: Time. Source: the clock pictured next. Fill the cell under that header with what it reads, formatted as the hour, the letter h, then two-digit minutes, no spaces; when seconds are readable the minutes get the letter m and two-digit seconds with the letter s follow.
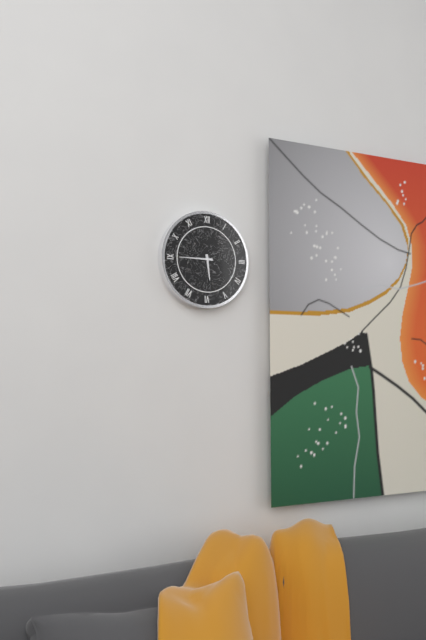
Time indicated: 5h45
